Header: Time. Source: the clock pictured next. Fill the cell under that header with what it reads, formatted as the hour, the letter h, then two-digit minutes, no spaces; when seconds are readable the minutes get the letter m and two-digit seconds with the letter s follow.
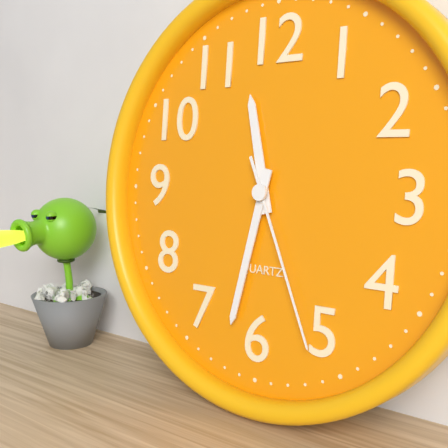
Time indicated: 11h32m26s
